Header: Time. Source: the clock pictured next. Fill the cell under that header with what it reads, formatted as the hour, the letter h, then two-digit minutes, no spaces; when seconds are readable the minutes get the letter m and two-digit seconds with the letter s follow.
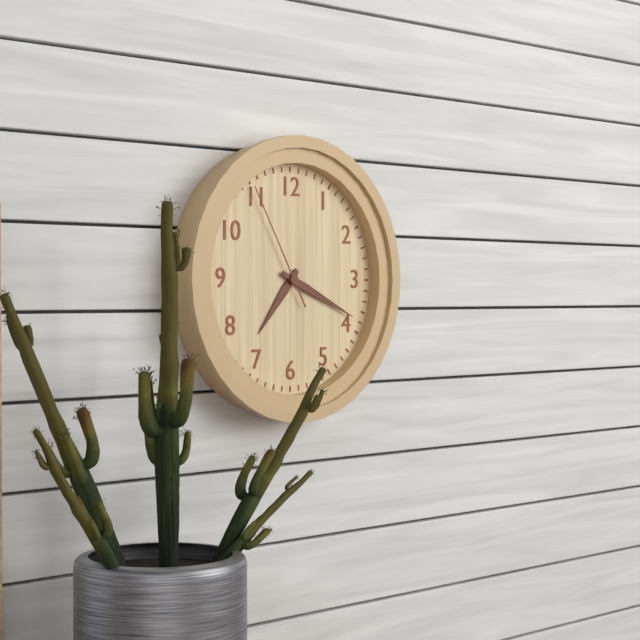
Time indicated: 7h19m55s
